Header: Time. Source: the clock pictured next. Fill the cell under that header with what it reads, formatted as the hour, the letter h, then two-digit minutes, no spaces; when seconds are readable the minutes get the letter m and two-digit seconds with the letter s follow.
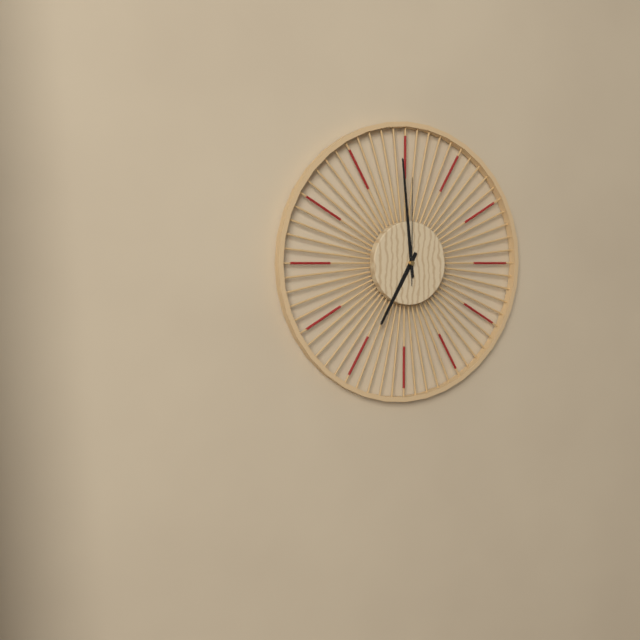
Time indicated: 6h59m00s
